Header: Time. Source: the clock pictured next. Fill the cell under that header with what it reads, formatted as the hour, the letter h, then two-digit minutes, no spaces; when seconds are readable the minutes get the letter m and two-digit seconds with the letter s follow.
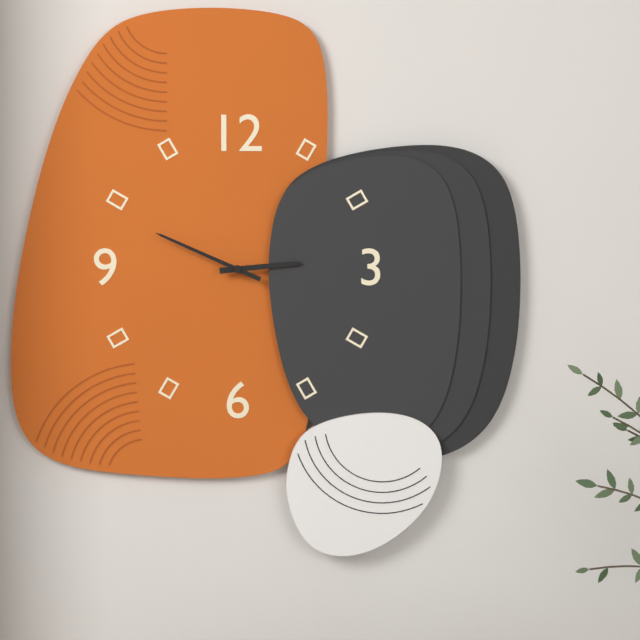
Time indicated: 2h49
